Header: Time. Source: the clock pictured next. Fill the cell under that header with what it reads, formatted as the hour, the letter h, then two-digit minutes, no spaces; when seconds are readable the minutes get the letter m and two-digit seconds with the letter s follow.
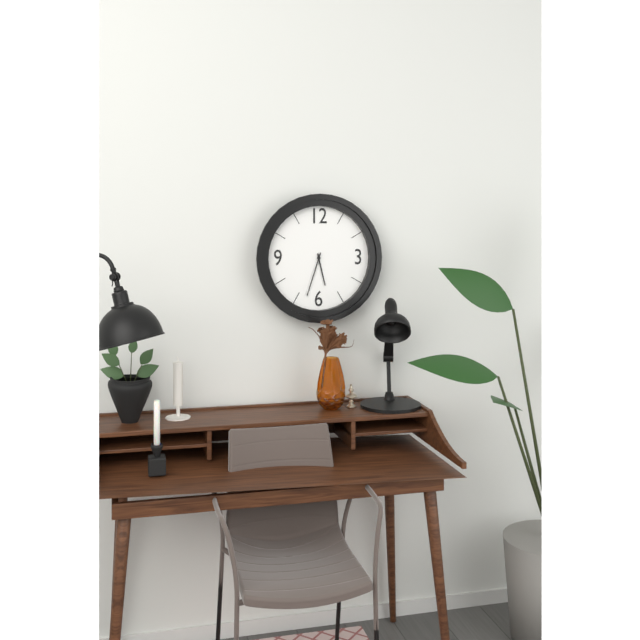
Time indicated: 5h33
